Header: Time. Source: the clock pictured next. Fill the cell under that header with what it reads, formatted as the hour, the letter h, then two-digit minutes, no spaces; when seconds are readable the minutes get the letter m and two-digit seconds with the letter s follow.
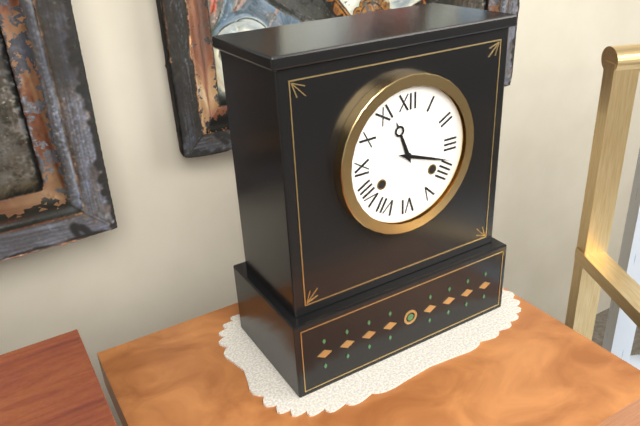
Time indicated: 11h18
